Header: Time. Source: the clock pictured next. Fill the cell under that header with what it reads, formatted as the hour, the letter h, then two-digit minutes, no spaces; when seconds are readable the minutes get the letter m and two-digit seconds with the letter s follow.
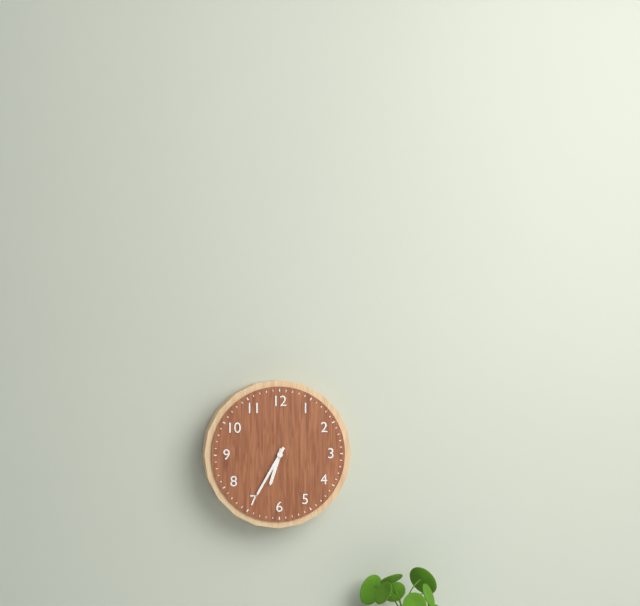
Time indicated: 6h35
